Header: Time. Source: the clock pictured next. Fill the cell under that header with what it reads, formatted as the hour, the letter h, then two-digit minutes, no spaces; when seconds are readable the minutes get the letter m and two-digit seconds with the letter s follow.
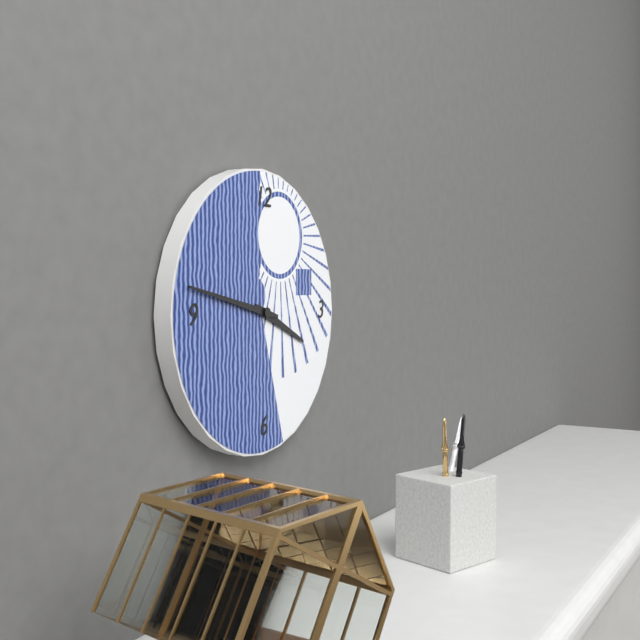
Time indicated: 3h47
